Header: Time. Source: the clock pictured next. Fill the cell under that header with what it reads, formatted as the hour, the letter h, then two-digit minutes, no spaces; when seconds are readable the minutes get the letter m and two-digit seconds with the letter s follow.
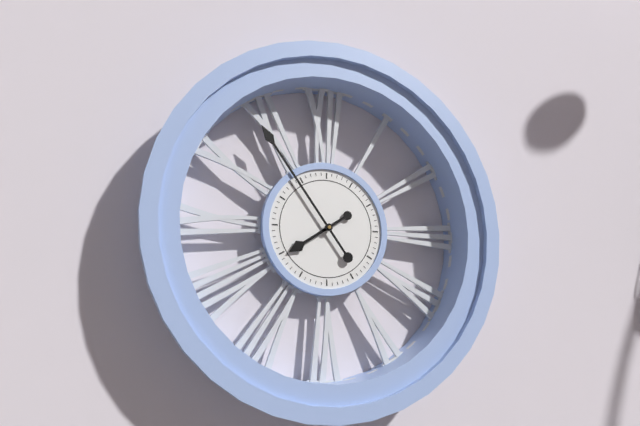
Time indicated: 7h54
